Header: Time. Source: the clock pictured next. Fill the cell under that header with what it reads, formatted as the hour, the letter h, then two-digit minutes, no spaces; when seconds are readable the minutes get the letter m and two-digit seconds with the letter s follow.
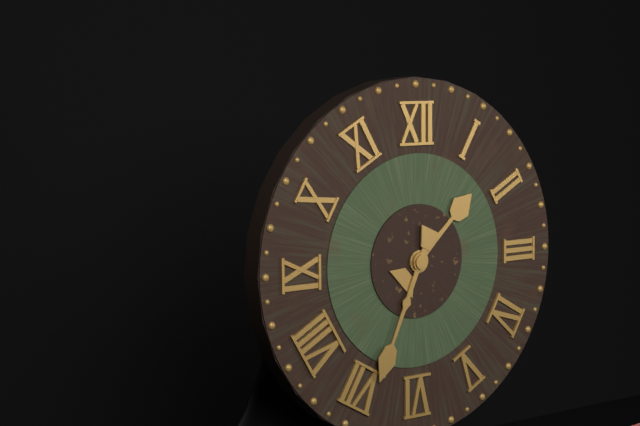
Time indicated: 1h34
